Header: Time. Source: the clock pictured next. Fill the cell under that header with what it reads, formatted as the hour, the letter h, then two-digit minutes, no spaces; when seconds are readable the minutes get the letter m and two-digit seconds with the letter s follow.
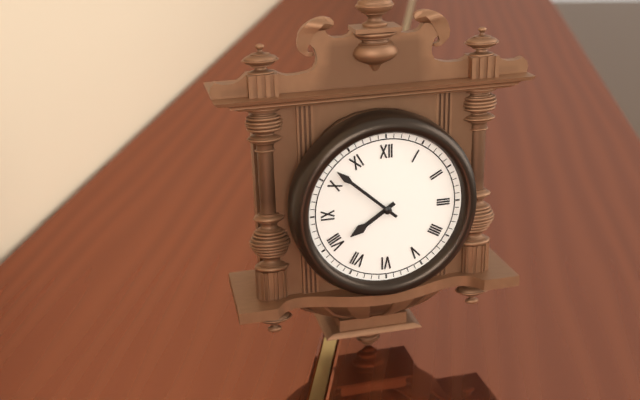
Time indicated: 7h52
